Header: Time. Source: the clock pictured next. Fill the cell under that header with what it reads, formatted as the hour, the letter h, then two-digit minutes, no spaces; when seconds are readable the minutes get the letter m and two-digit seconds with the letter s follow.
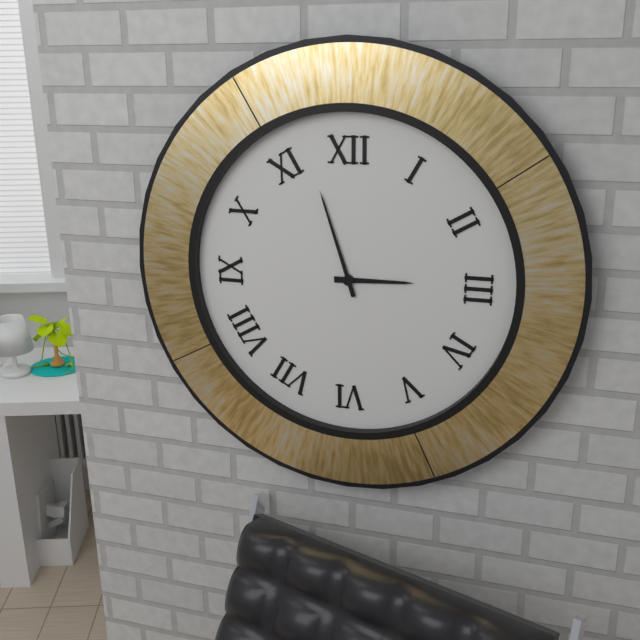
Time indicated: 2h57
